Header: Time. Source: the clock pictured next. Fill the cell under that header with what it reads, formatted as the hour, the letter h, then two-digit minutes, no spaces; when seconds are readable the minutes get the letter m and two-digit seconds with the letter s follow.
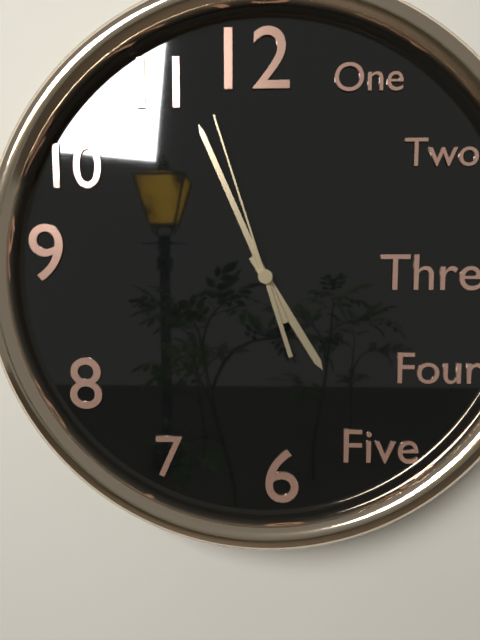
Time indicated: 4h56m57s
